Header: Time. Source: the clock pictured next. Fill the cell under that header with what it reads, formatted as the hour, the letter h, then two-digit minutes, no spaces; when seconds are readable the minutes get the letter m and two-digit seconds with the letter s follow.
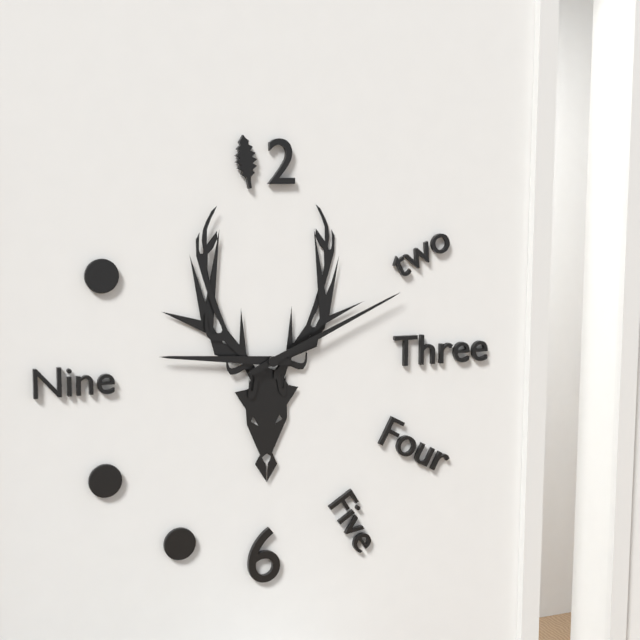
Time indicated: 9h11
